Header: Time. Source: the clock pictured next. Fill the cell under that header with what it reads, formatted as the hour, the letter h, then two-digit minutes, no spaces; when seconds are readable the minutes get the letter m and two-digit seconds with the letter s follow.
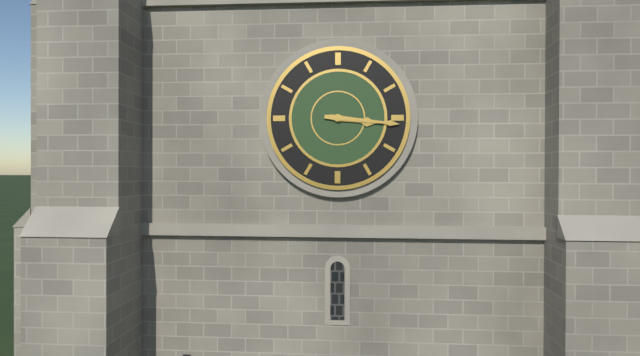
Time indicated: 3h16
